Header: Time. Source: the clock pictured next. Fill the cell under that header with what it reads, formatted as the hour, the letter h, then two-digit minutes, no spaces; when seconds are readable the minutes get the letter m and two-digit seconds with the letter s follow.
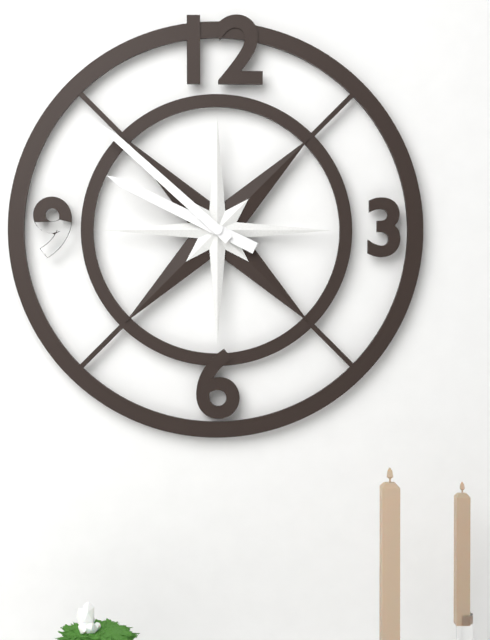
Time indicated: 9h52
